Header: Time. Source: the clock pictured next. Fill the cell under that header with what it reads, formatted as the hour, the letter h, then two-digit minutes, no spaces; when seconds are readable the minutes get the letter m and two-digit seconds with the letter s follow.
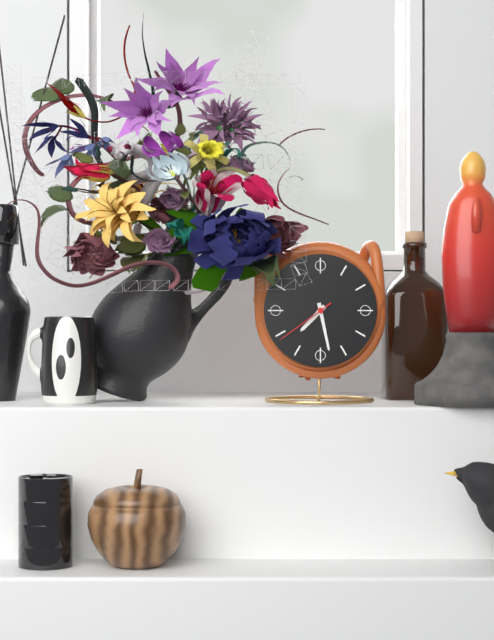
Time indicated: 7h28m39s
